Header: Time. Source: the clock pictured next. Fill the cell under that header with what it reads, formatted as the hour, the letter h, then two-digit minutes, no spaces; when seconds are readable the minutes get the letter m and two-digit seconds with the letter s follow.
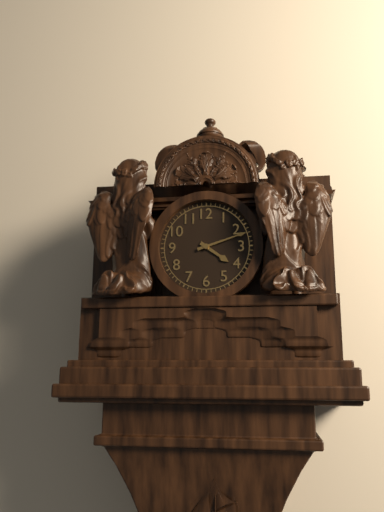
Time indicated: 4h12
